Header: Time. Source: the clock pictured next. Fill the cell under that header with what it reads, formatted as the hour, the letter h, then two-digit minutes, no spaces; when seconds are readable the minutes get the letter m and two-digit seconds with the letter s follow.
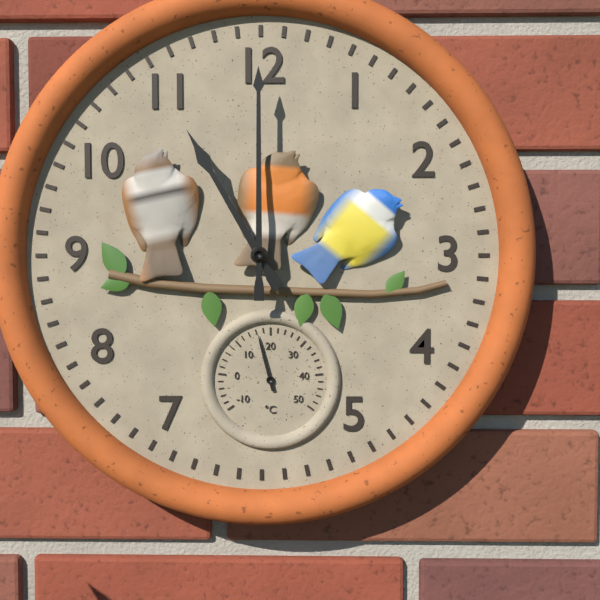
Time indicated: 11h00
